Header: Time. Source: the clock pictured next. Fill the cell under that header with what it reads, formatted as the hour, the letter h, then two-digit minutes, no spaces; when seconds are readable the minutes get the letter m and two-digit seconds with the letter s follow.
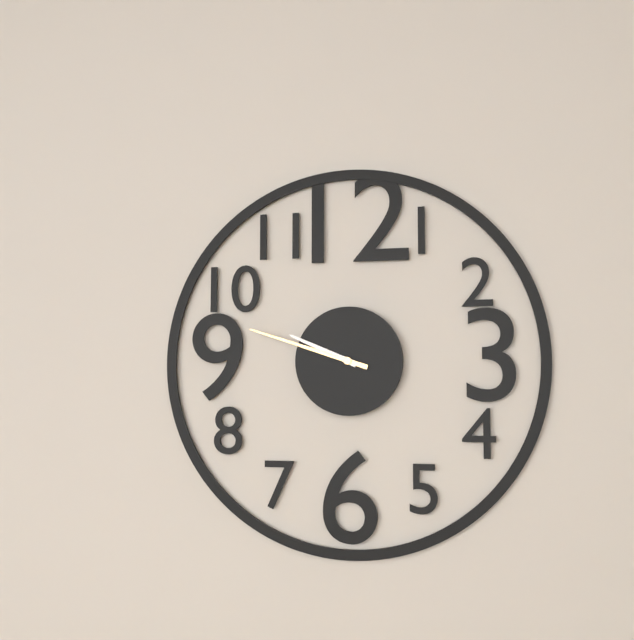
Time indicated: 9h48
